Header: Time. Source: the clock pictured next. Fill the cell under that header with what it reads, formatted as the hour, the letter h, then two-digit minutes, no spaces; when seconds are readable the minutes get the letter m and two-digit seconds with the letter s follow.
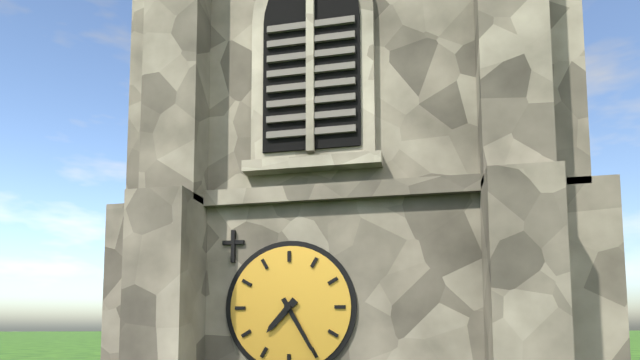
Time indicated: 7h25
